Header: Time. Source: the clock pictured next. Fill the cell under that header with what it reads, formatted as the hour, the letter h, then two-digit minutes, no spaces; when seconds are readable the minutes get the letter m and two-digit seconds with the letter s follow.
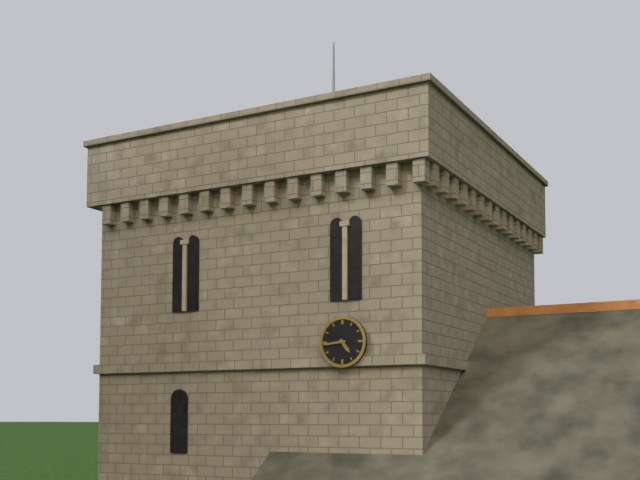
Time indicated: 4h44
